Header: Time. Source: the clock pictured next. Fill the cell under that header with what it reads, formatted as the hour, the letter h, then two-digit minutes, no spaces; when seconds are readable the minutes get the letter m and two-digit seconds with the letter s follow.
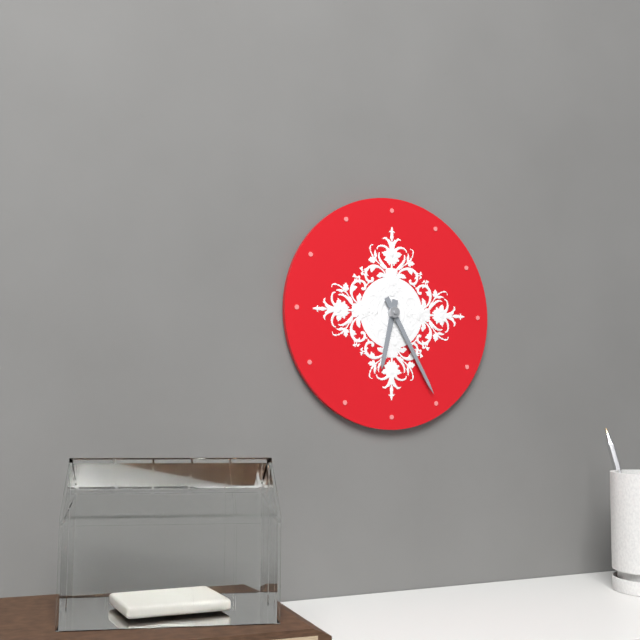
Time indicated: 6h25
